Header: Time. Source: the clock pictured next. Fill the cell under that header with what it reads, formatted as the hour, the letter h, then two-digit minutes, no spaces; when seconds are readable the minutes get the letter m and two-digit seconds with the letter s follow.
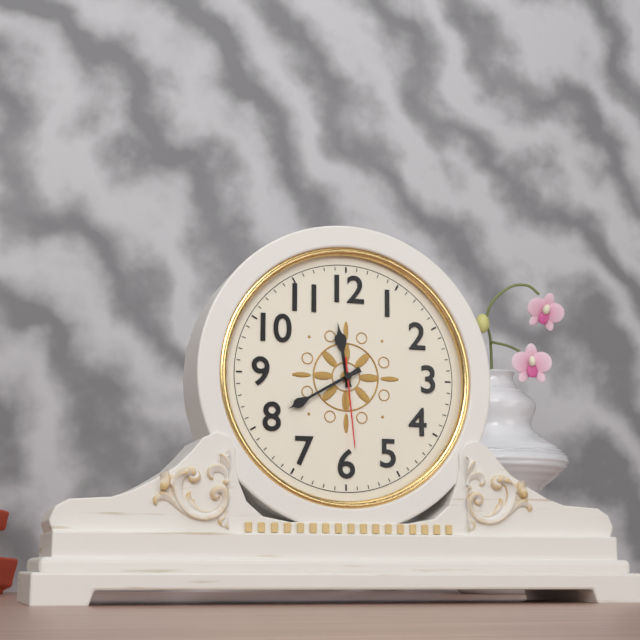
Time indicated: 11h40m29s
